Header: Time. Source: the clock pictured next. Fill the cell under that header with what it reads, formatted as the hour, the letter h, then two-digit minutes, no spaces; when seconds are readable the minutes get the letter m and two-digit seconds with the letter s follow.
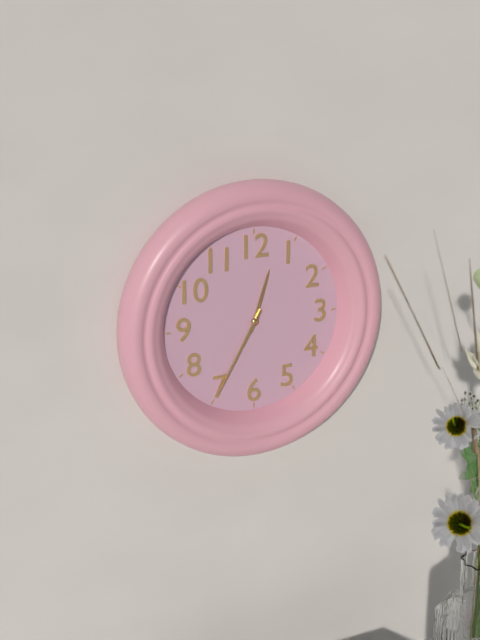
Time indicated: 12h35
